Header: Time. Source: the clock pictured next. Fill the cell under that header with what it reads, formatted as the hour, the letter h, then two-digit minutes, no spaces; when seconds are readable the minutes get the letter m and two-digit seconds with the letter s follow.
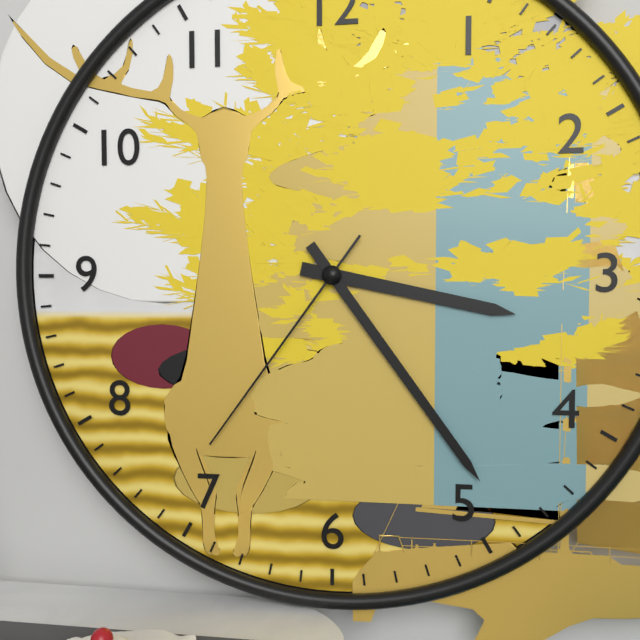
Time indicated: 3h24m36s
